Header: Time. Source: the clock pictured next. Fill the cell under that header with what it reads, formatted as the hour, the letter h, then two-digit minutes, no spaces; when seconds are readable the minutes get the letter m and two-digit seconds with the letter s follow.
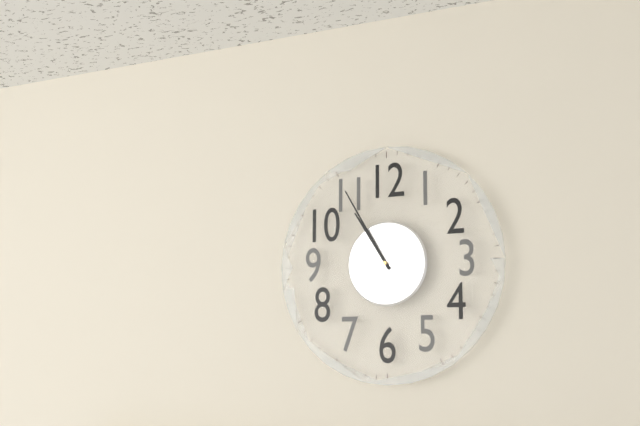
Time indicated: 10h55
